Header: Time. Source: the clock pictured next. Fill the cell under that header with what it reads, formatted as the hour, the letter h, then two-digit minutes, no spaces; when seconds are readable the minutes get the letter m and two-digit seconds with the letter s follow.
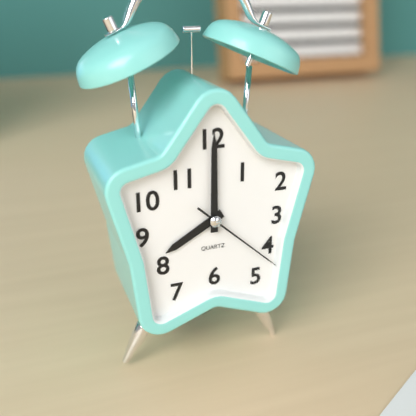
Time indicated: 8h00m22s
